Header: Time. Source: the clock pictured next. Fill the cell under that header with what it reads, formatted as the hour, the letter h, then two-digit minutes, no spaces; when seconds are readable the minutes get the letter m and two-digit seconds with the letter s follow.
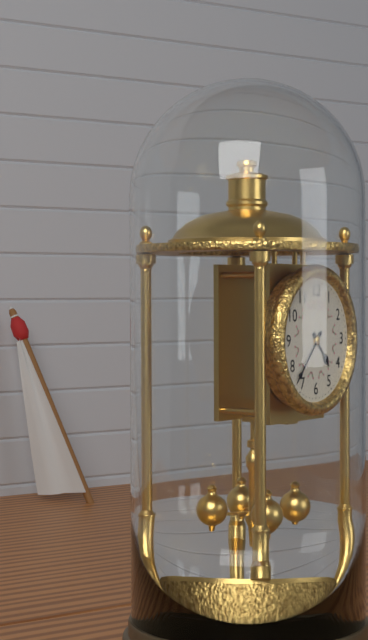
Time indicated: 4h37
